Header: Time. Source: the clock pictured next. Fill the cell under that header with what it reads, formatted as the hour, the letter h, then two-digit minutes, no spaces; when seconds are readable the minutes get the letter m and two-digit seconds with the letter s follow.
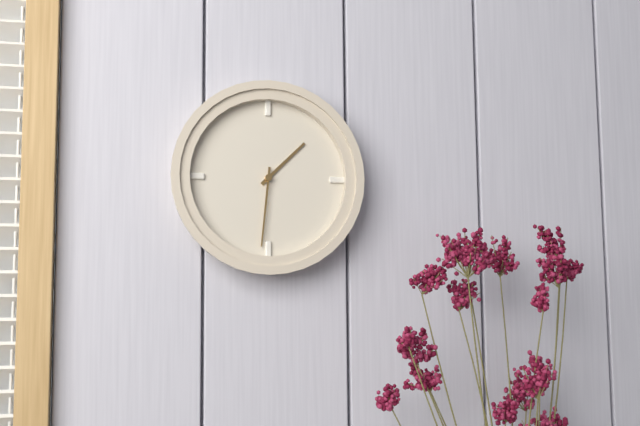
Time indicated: 1h31
